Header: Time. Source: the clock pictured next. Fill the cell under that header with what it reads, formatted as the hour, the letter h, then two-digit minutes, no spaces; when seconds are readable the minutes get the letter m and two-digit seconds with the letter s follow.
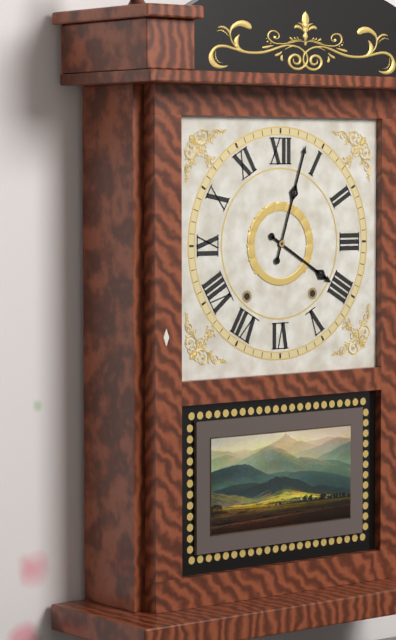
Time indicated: 4h03
